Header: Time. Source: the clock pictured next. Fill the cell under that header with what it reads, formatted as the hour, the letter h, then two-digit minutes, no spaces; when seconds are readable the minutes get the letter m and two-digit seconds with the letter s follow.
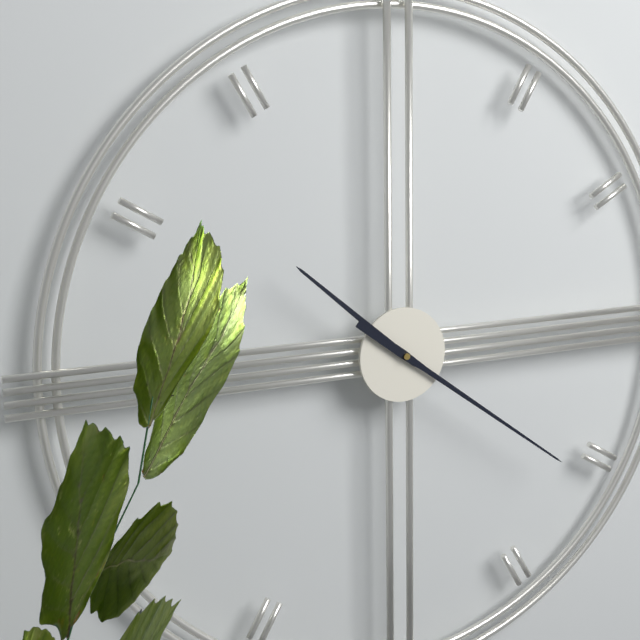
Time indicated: 10h21
